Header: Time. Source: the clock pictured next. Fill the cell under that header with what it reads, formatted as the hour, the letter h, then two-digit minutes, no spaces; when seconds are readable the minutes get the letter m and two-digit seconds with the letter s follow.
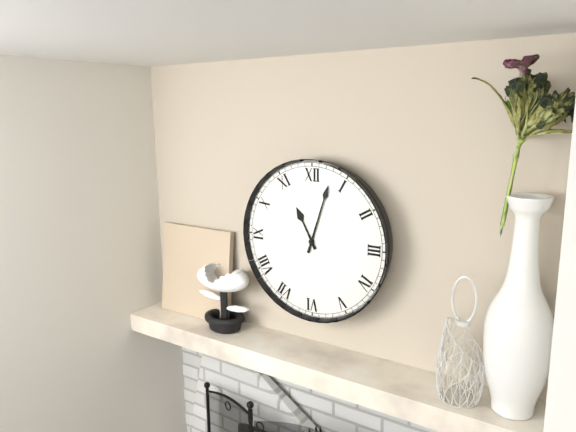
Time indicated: 11h03
